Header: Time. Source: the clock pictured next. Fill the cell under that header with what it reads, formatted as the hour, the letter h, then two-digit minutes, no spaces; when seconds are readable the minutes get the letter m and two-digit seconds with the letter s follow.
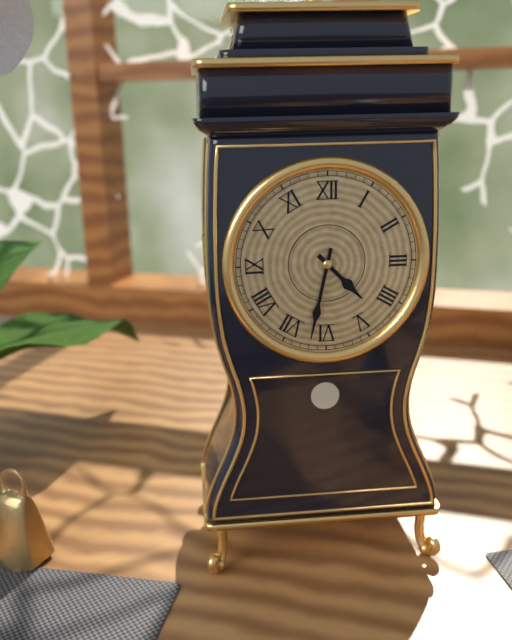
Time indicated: 4h32
